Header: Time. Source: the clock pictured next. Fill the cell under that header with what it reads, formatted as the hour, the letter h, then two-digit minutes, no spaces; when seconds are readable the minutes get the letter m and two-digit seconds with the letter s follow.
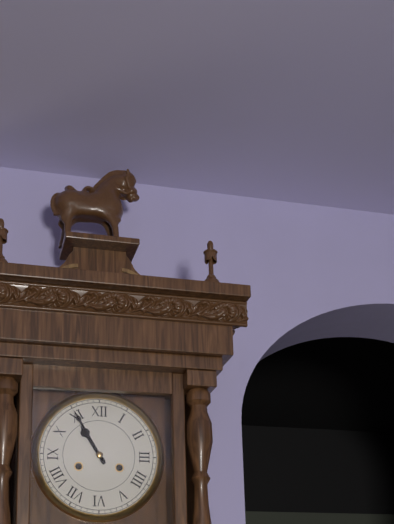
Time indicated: 10h55
